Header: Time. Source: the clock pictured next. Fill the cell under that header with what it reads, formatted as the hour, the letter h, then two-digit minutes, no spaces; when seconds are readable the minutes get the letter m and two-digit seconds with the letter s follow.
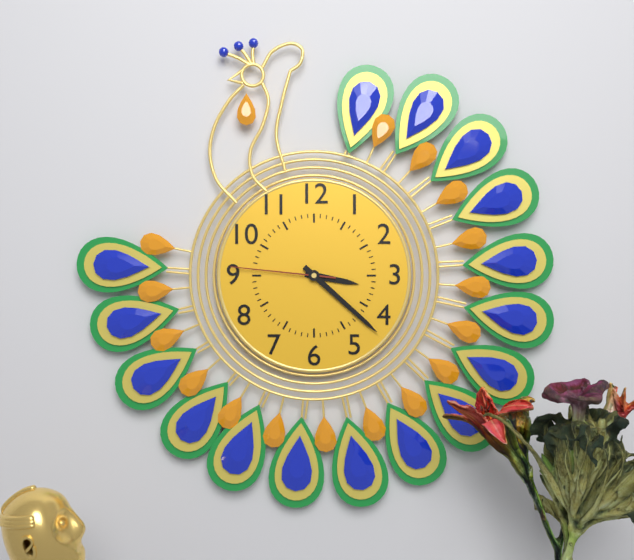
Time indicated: 3h22m46s
